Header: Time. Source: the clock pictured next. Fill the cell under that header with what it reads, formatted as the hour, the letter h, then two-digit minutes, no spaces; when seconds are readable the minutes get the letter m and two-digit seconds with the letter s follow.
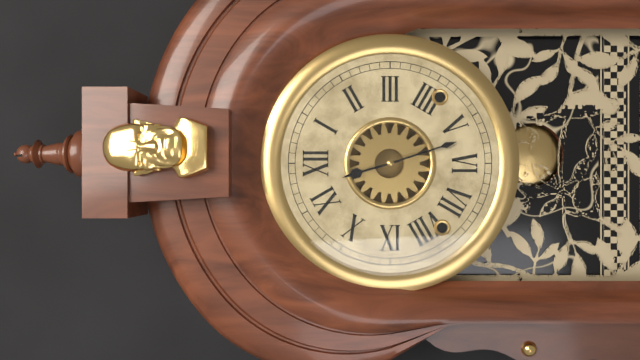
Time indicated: 11h27
